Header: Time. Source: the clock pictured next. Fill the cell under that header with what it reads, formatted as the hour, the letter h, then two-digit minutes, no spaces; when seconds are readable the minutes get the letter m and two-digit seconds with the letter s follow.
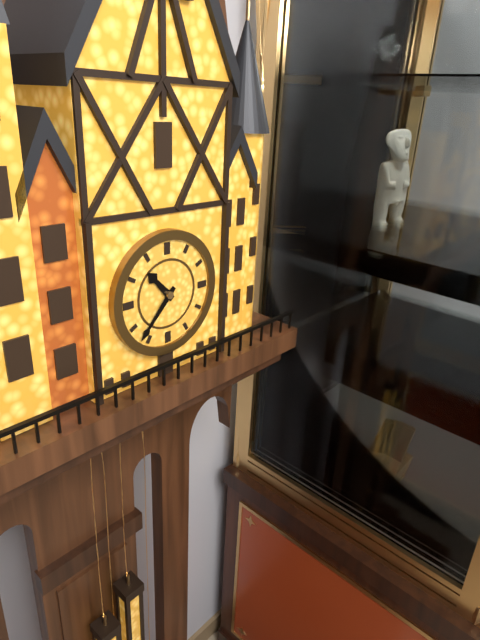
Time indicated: 10h37
